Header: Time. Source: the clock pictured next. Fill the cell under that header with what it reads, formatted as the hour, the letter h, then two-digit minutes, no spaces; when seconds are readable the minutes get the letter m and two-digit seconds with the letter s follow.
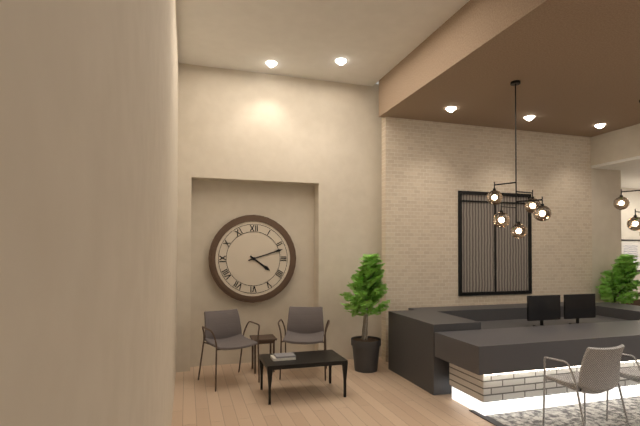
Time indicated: 4h12
